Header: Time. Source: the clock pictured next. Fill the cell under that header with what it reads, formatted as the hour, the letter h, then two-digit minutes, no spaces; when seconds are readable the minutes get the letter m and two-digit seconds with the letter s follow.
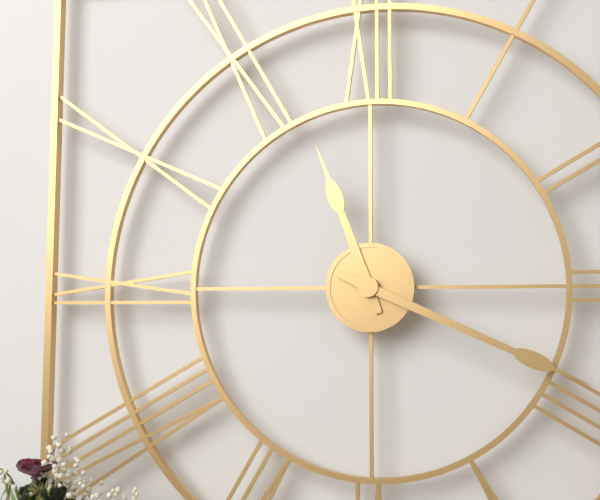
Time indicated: 11h19
